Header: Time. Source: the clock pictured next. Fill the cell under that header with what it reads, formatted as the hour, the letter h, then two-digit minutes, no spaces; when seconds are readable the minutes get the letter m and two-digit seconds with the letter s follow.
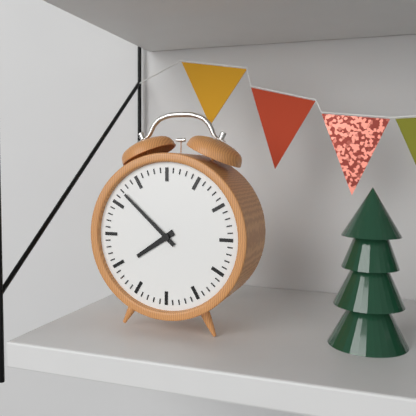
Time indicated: 7h52
